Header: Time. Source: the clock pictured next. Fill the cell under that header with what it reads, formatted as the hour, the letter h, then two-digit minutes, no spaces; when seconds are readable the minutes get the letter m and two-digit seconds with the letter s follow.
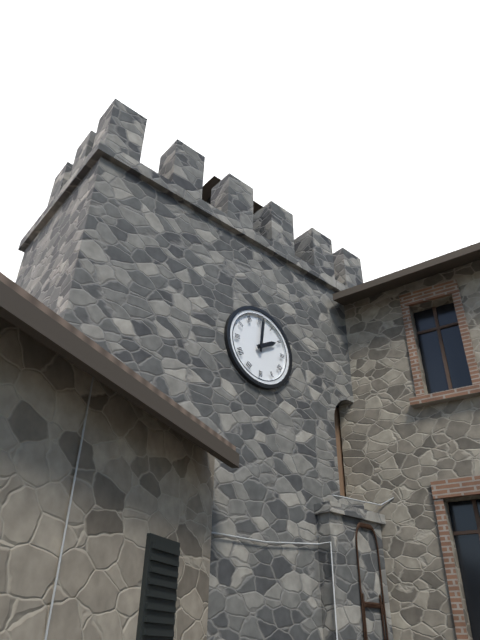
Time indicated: 2h01
